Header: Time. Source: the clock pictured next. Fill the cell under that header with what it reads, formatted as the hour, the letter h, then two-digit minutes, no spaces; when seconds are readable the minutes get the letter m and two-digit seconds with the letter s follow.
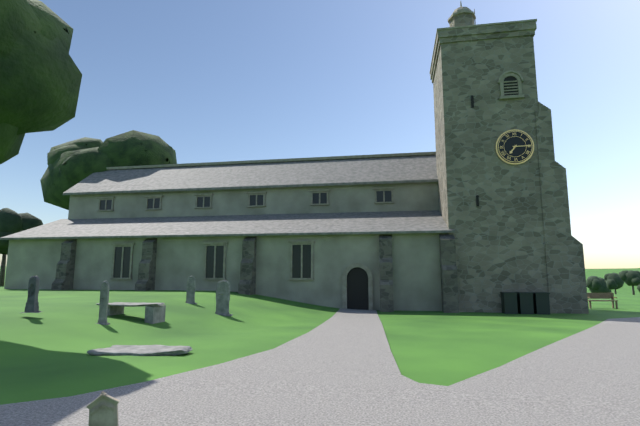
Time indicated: 7h15
